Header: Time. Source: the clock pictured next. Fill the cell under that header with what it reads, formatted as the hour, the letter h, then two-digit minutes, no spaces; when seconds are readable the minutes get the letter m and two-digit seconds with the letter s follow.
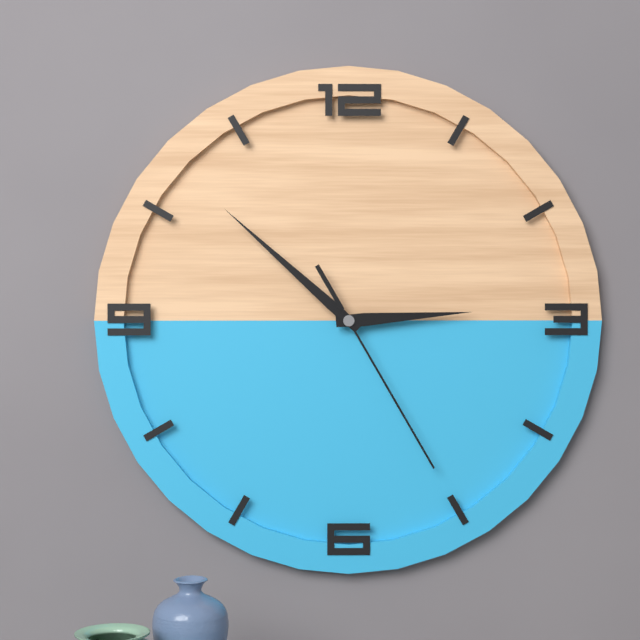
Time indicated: 2h52m25s
